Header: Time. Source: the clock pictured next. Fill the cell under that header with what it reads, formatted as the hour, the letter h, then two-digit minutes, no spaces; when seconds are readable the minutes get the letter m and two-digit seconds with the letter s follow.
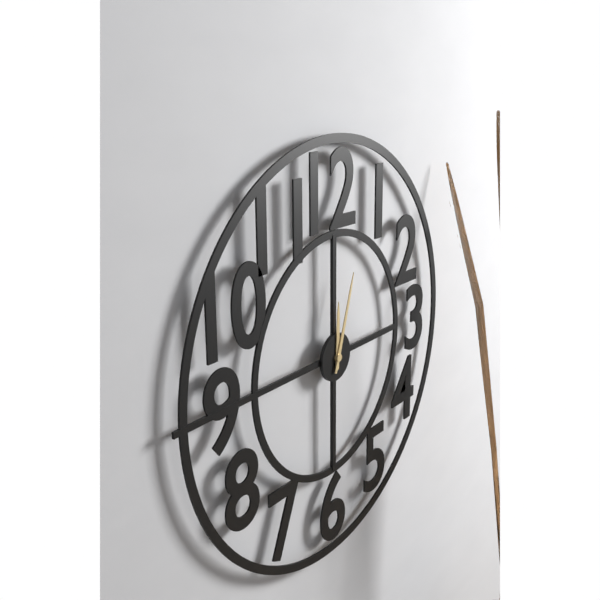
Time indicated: 12h03
